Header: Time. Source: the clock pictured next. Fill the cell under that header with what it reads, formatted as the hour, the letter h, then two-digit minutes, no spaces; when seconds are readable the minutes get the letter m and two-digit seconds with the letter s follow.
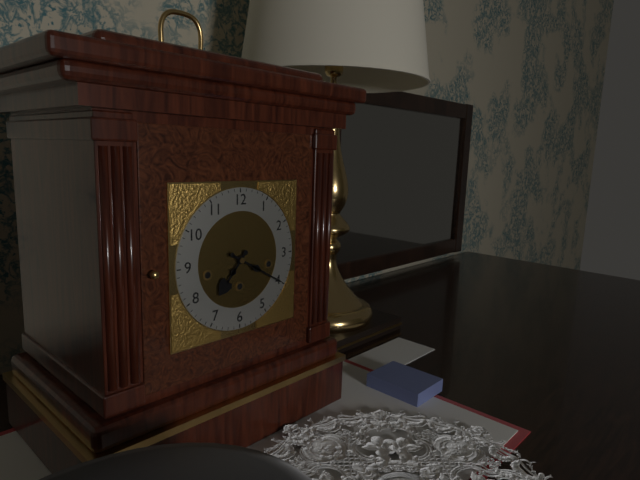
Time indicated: 7h20
